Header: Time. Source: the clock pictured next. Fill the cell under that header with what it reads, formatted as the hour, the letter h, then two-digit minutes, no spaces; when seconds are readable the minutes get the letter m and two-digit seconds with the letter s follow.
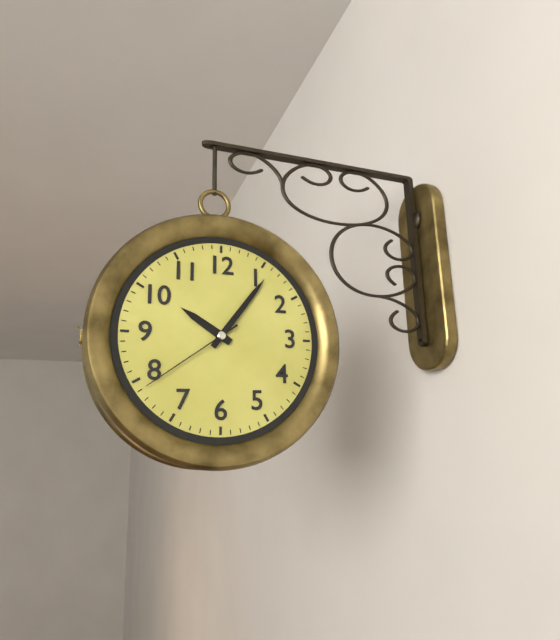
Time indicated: 10h06m39s
